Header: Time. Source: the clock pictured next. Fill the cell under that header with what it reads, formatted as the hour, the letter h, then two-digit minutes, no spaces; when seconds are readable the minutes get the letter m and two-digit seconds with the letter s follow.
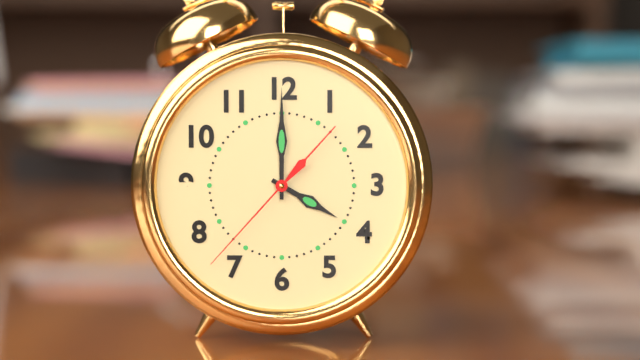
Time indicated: 4h00m37s
